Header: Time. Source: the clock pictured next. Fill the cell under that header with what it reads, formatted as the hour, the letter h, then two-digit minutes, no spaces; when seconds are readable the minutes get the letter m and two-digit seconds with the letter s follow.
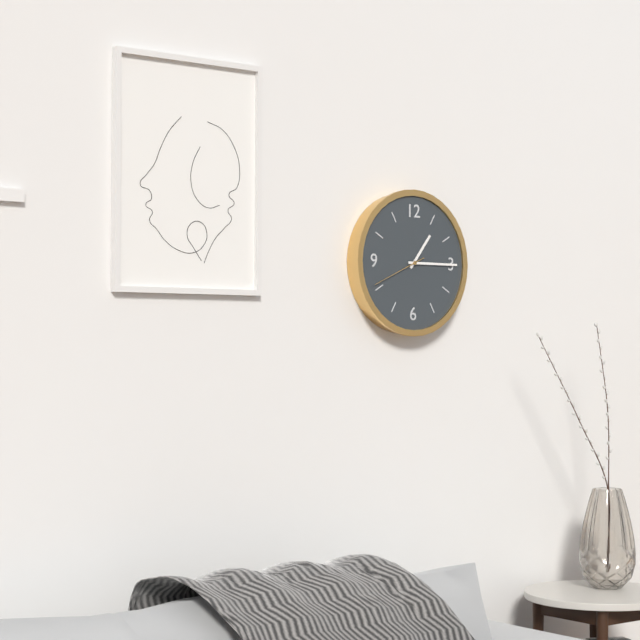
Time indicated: 1h15m41s
